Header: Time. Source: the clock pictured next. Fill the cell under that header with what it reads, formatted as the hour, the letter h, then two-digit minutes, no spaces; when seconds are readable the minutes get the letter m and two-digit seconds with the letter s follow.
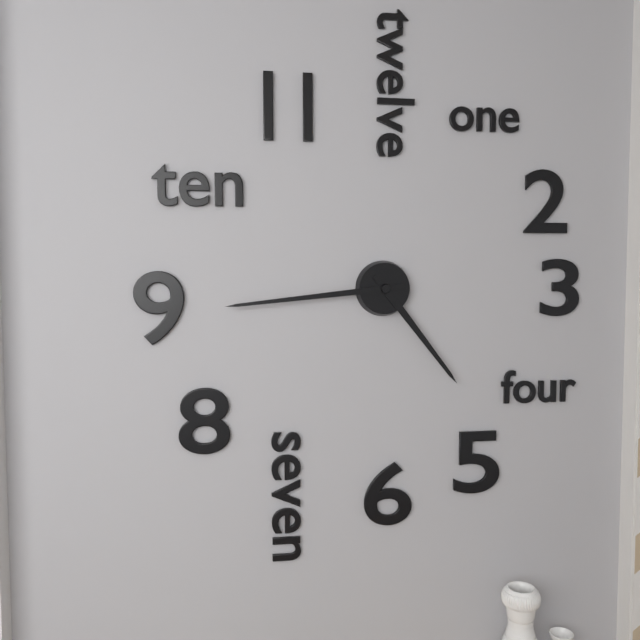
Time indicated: 4h44
